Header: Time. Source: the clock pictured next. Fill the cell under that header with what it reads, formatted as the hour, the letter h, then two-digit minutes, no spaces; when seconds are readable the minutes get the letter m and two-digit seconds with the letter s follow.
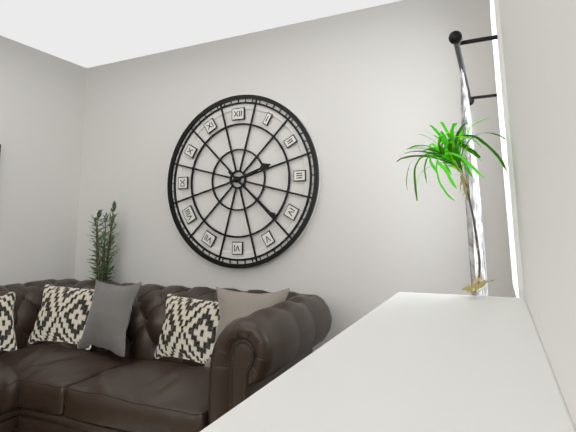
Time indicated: 2h22
